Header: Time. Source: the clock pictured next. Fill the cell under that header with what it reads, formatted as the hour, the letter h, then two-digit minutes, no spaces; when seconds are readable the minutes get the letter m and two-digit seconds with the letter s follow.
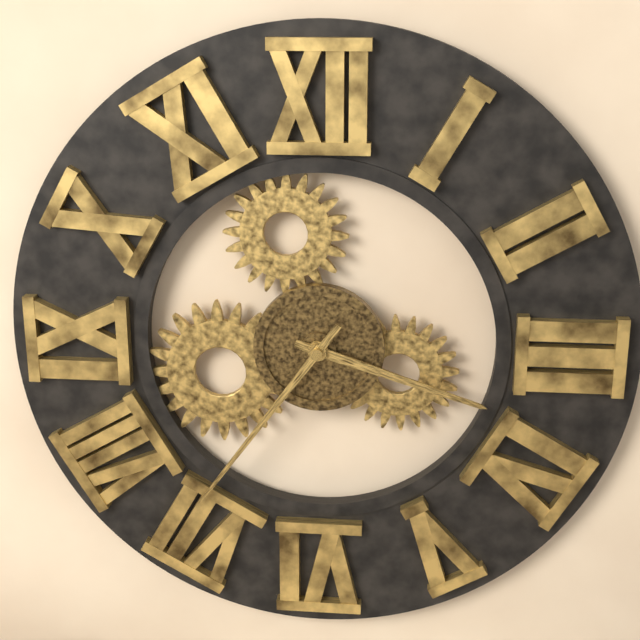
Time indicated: 3h36
